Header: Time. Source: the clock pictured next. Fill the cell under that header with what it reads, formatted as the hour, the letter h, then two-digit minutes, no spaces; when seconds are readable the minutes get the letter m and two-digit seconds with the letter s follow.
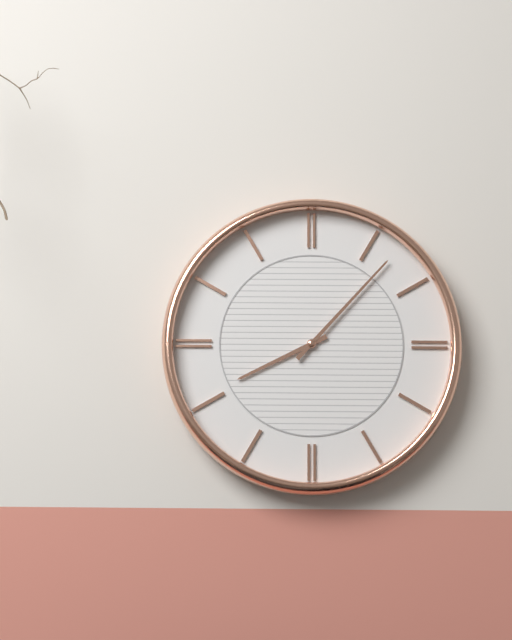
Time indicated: 8h07
